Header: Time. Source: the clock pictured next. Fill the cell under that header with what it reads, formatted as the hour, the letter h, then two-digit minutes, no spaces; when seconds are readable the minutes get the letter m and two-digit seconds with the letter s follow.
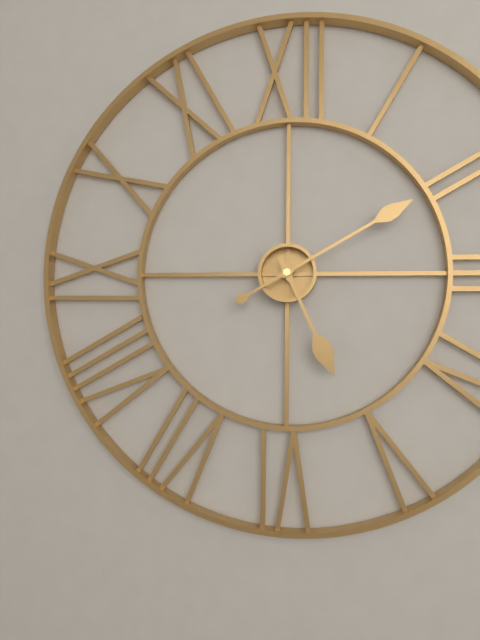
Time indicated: 5h10
